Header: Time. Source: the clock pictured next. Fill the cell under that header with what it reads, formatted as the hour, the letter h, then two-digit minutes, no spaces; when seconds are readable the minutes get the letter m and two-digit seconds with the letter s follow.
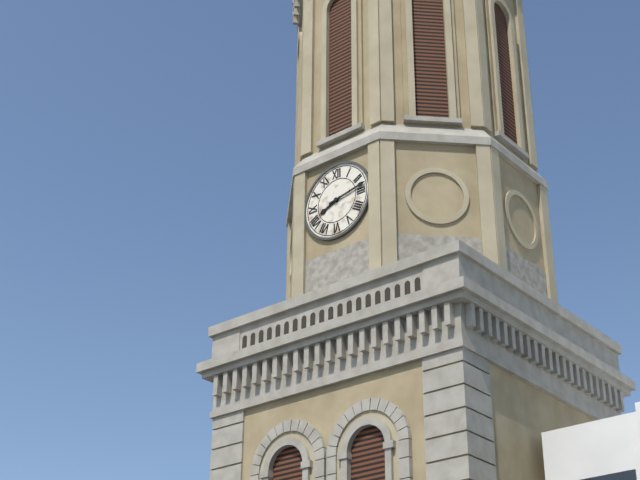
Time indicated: 8h13
